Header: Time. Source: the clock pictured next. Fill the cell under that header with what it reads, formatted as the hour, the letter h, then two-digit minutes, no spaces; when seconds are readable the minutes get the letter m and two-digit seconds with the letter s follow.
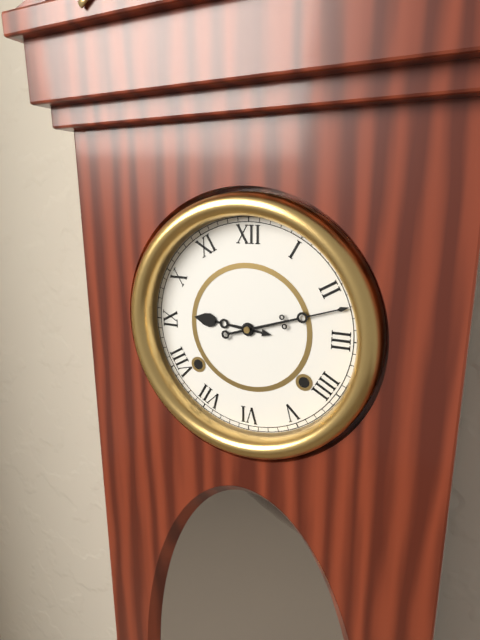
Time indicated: 9h12
